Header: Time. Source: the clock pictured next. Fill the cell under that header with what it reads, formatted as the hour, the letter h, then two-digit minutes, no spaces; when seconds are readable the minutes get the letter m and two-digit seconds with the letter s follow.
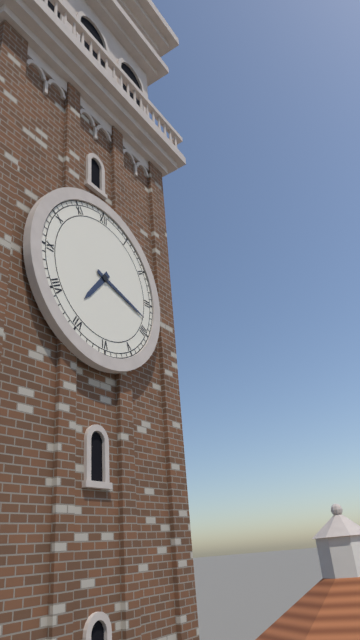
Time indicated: 7h18
